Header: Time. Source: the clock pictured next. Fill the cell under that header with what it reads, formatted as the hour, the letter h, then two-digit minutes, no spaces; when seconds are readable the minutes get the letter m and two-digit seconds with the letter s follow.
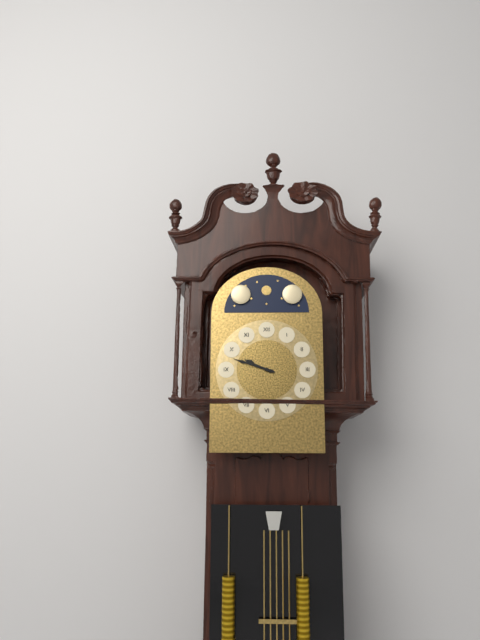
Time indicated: 9h48
